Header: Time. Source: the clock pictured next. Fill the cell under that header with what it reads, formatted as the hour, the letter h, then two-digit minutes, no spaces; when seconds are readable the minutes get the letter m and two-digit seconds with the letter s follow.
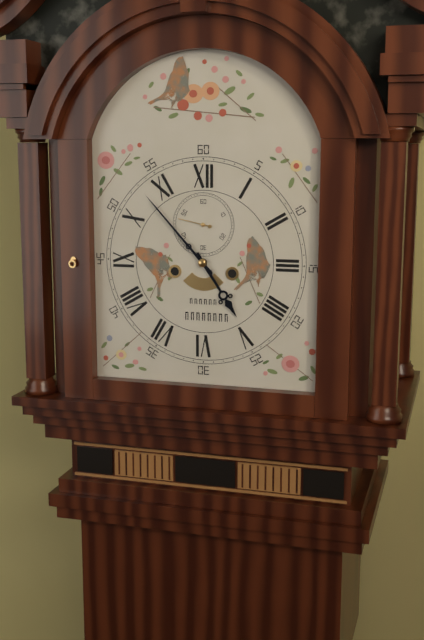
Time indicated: 4h53
